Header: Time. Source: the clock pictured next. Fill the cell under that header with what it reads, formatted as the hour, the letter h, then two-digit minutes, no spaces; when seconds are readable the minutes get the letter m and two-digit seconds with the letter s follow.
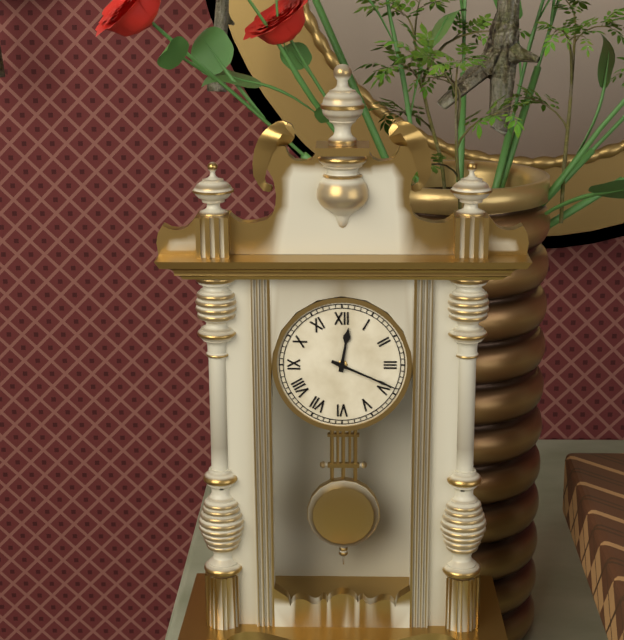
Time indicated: 12h19
